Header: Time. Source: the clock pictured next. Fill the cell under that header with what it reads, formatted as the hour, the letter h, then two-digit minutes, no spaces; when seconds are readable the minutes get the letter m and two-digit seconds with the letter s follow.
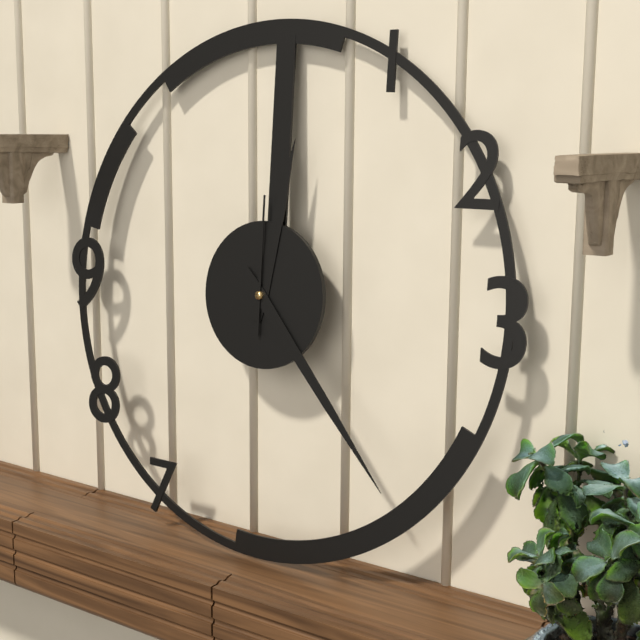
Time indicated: 12h23m00s
